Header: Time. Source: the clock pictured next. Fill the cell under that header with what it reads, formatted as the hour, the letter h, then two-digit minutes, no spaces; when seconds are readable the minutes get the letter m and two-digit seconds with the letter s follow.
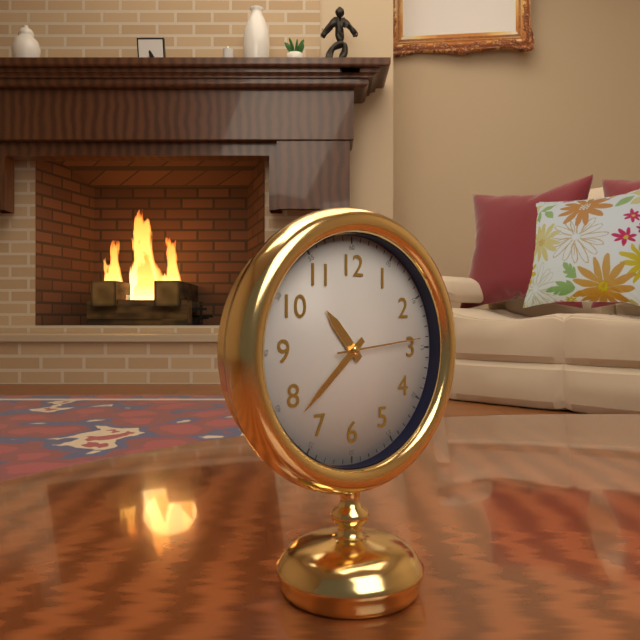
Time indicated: 10h38m14s
